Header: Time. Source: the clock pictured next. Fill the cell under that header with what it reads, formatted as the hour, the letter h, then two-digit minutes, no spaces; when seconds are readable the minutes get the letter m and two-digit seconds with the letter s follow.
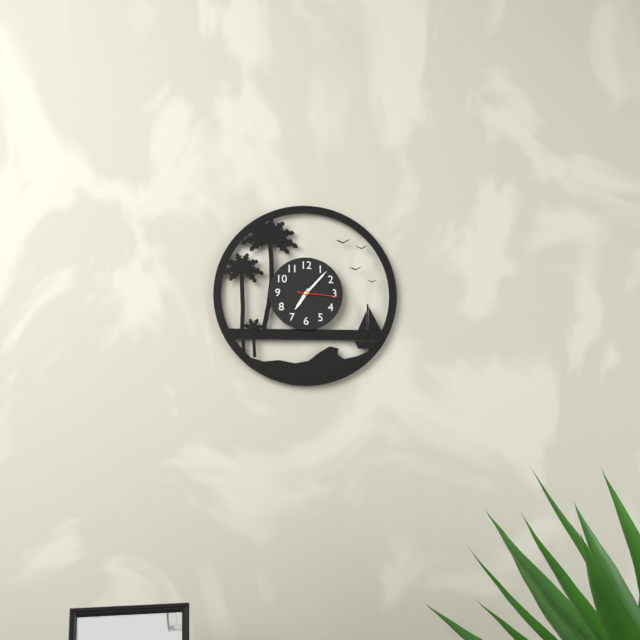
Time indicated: 7h07
